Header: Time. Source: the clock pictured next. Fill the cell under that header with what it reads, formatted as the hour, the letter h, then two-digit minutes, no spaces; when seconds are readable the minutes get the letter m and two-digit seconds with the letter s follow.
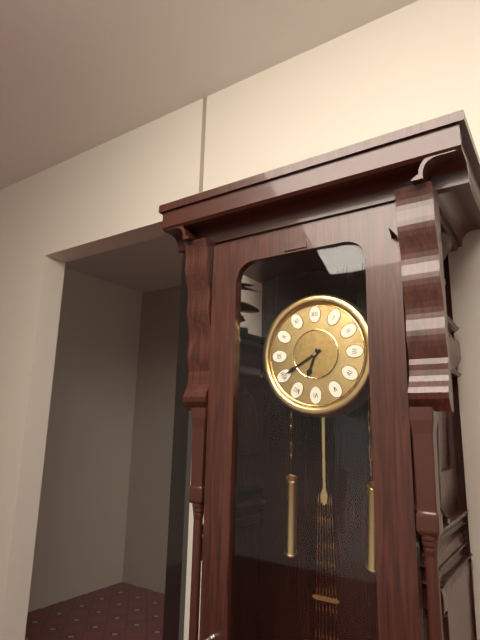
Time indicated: 6h40
